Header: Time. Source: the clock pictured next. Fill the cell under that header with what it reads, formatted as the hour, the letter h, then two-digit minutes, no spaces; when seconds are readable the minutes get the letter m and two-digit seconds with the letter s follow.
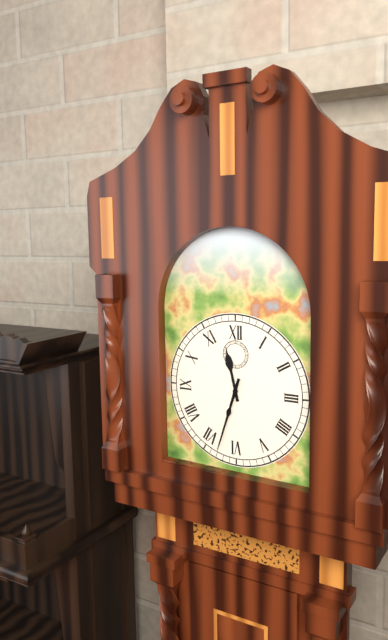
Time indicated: 11h33
